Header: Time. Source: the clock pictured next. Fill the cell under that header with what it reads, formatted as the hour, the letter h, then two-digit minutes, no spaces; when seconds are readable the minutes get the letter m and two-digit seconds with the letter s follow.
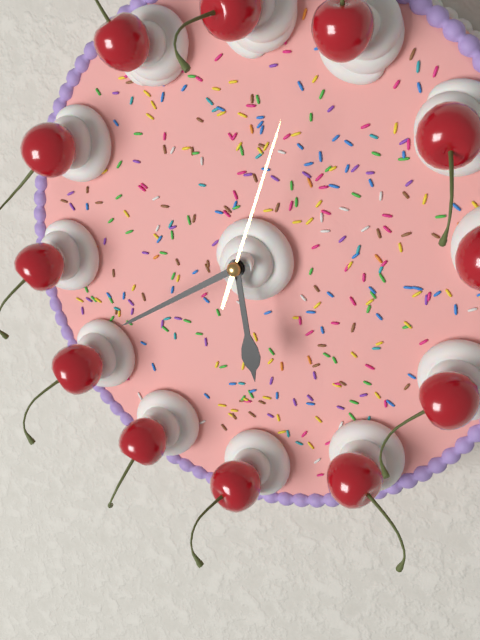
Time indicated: 5h40m03s
